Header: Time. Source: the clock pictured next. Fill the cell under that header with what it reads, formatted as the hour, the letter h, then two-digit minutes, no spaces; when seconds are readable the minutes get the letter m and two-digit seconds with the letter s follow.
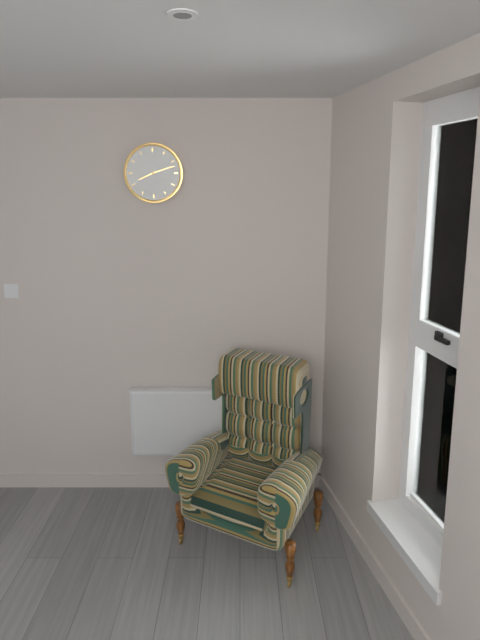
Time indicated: 8h12
